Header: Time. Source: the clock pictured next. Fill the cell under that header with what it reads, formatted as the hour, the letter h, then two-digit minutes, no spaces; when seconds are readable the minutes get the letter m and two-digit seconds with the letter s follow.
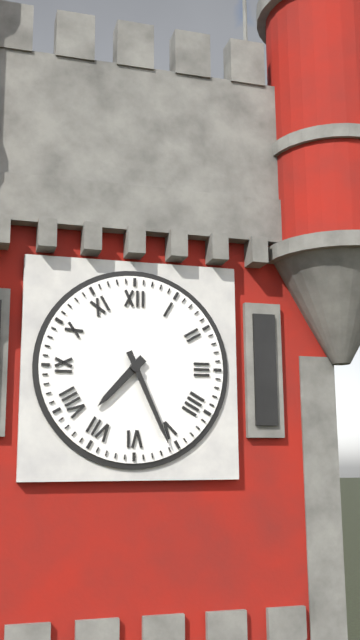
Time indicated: 7h26
